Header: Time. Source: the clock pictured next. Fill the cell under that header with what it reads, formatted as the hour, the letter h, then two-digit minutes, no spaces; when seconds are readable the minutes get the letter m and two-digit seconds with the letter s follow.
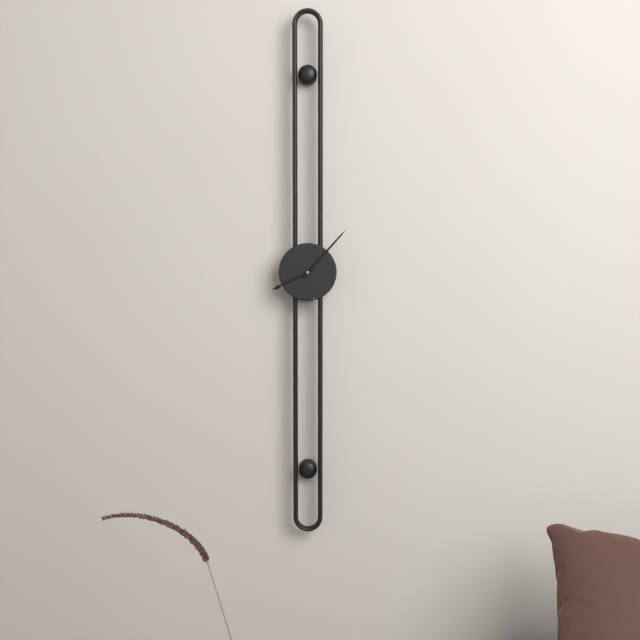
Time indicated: 8h07
